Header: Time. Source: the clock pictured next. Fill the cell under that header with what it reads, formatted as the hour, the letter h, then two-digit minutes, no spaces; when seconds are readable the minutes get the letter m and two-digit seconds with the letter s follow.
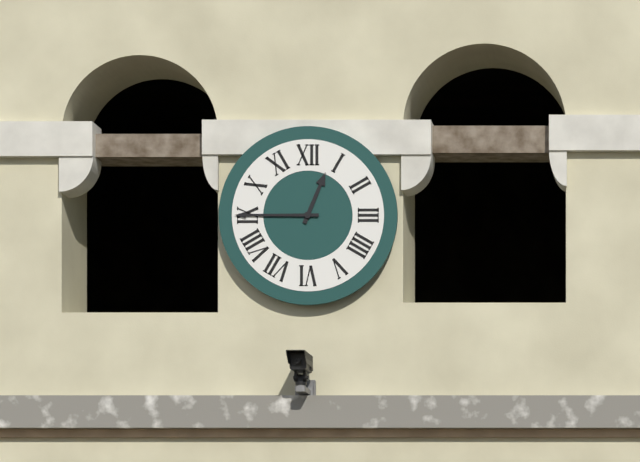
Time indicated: 12h45
